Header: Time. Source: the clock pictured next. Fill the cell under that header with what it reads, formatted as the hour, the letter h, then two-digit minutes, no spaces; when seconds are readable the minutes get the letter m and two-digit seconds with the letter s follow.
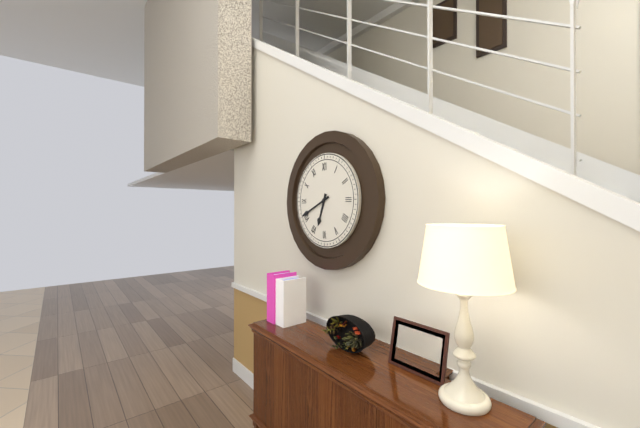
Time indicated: 6h41
